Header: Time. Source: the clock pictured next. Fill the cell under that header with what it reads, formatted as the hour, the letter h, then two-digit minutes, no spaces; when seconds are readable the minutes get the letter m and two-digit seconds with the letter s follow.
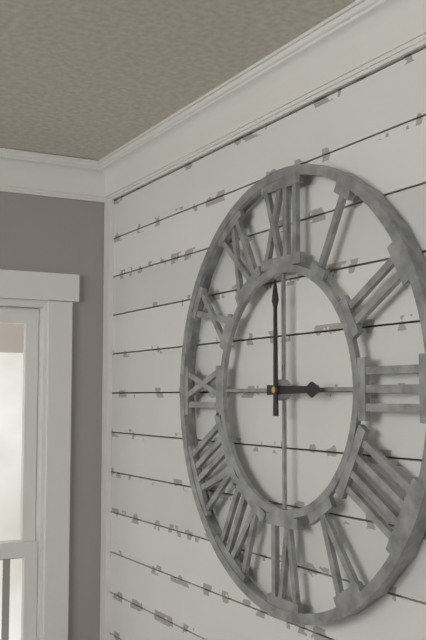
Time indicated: 3h00
